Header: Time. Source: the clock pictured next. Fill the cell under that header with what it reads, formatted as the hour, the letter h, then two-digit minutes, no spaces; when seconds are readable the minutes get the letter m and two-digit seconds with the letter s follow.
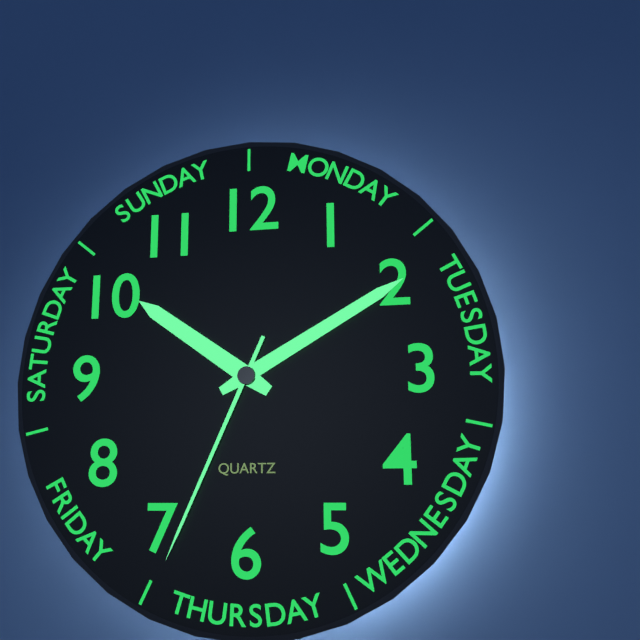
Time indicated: 10h10m34s
